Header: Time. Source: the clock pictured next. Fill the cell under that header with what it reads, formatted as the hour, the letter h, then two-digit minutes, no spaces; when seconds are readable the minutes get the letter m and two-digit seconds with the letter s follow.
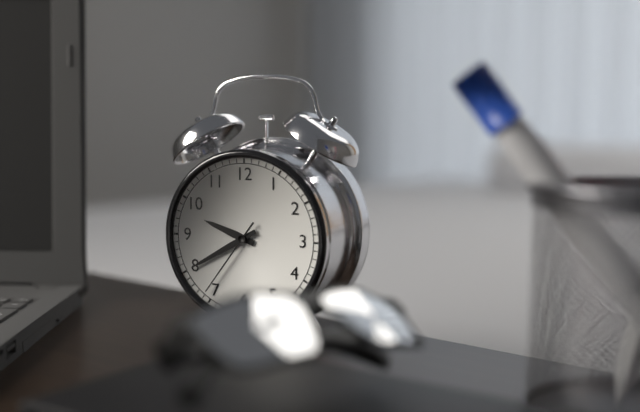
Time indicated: 9h40m36s
